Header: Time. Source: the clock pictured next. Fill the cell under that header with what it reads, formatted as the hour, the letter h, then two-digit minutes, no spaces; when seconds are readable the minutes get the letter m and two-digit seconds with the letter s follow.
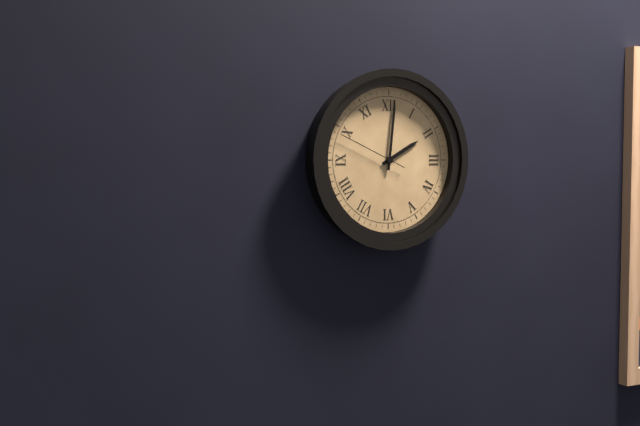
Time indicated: 2h01m49s
